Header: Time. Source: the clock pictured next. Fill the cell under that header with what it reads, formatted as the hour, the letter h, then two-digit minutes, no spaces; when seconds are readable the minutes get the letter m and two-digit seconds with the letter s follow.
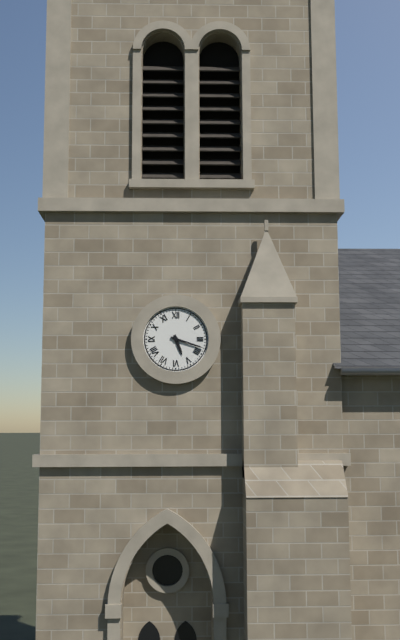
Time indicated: 5h18
